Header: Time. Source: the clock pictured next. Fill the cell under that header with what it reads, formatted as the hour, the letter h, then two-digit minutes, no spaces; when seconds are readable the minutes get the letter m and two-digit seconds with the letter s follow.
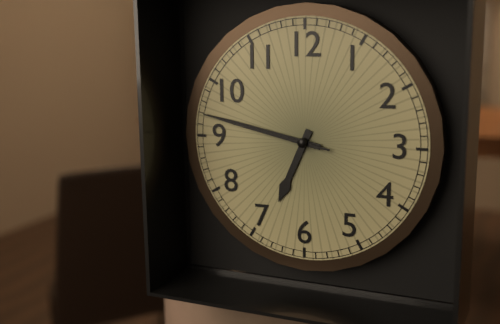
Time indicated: 6h47m47s
